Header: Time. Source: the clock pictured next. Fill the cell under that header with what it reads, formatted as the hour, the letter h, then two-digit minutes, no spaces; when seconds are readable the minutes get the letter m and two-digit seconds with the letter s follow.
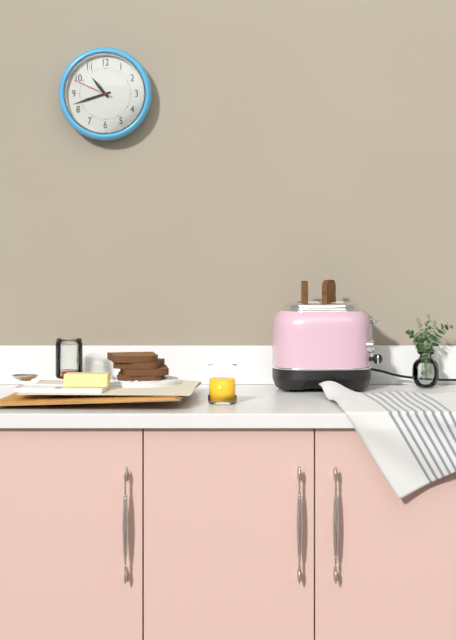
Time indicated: 10h42
